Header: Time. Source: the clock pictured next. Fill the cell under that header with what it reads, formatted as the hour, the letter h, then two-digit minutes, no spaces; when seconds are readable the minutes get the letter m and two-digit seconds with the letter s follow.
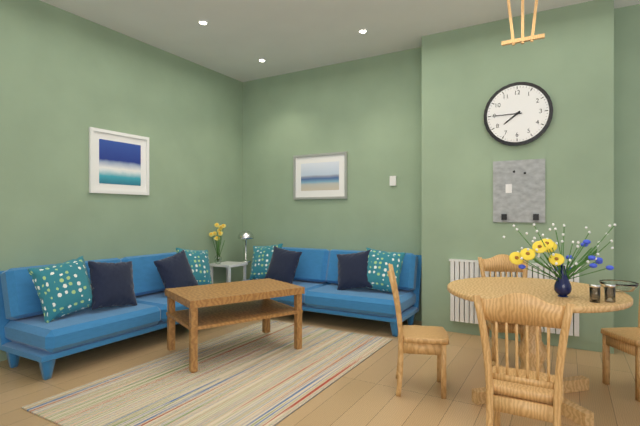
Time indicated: 7h45
